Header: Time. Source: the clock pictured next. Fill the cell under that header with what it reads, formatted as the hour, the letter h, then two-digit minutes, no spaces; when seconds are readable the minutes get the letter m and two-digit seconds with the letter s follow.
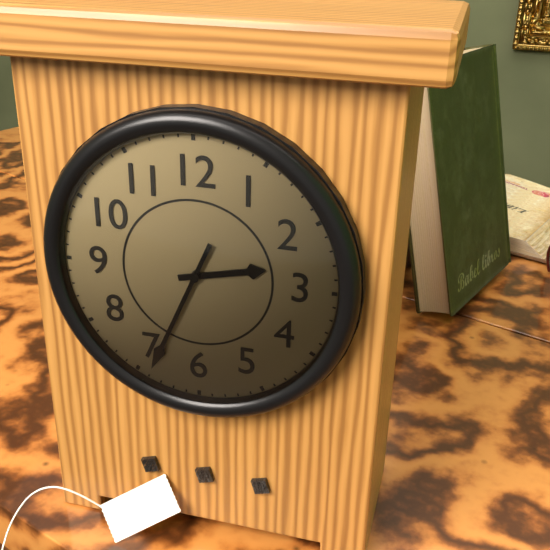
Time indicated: 2h34
